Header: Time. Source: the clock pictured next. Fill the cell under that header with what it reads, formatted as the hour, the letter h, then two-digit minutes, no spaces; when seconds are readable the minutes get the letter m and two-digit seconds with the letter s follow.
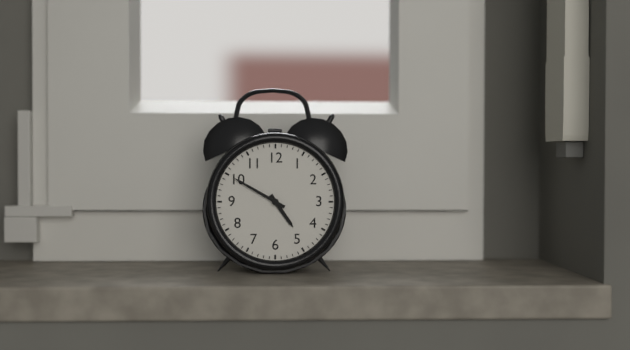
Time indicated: 4h50
